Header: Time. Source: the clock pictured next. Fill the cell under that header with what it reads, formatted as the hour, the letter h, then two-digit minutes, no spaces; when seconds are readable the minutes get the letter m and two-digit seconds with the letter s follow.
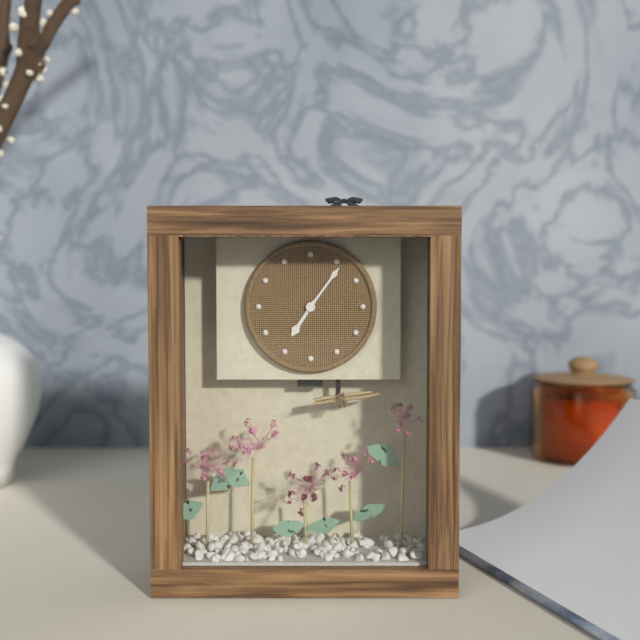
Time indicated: 7h06
